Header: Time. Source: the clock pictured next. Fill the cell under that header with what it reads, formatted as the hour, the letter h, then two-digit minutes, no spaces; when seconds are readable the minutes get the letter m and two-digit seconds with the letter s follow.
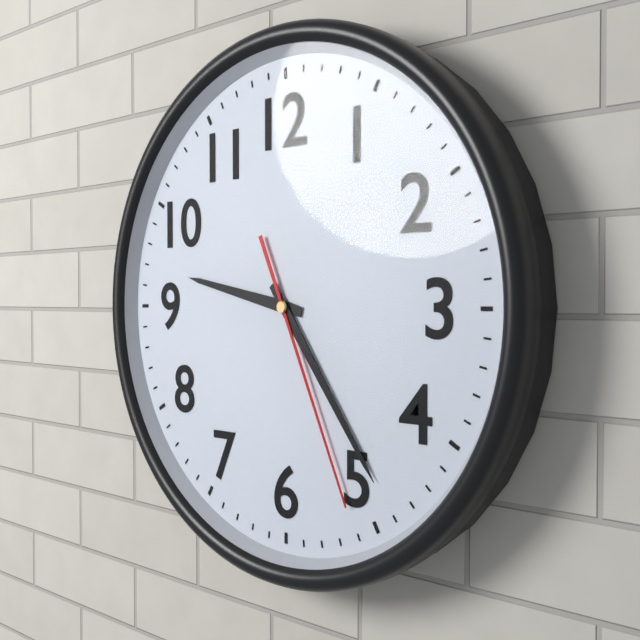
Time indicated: 9h24m26s
